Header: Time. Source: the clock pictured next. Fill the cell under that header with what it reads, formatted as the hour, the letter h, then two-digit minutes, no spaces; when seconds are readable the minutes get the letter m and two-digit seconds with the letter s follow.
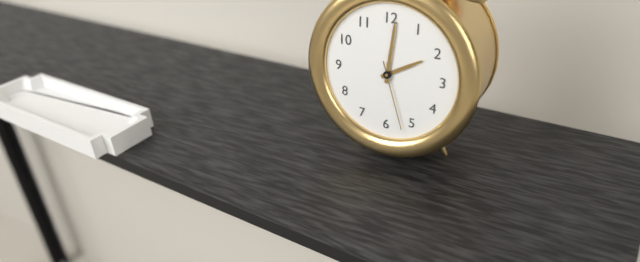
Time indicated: 2h01m27s
